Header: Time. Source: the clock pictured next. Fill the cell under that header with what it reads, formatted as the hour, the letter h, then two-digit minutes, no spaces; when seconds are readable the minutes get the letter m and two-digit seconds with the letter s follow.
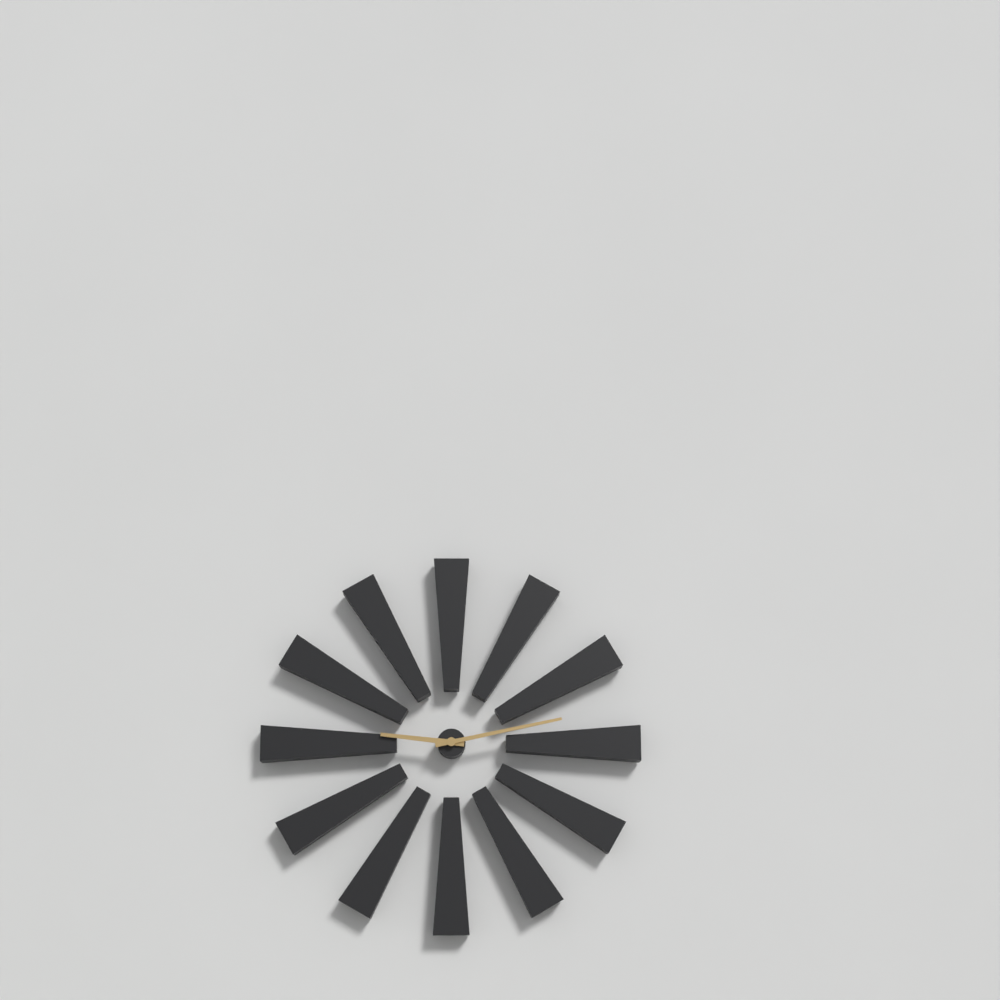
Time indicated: 9h13
